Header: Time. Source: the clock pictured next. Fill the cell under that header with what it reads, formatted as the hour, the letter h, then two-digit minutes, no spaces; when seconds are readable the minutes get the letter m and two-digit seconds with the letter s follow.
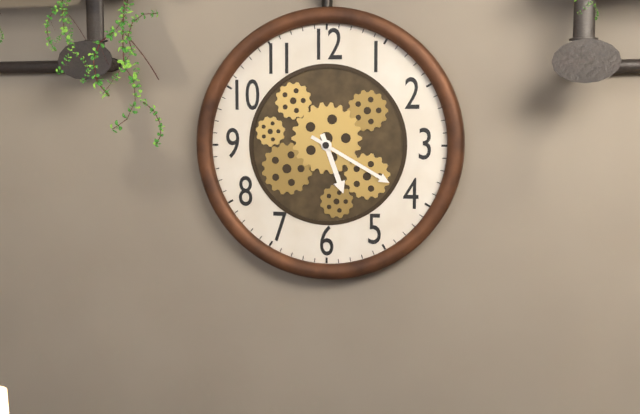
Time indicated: 5h20
